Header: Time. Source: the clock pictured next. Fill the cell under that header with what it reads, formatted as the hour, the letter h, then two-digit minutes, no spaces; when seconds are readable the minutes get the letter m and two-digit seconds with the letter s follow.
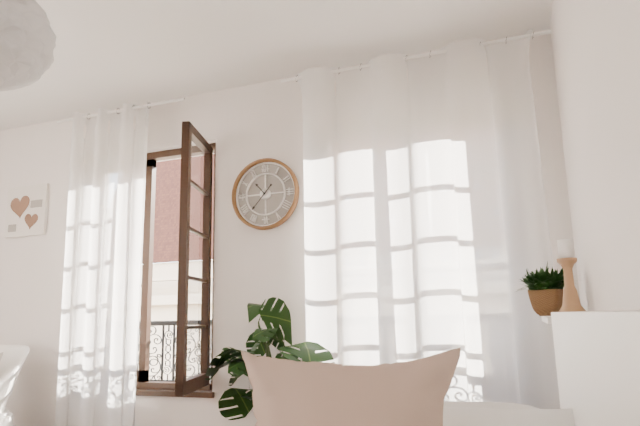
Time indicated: 10h37
